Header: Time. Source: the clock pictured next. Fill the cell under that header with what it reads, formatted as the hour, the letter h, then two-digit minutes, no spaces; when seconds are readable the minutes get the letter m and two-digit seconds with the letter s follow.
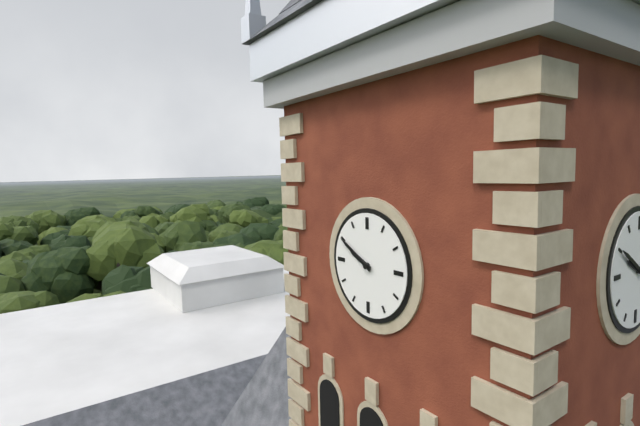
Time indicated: 9h50
